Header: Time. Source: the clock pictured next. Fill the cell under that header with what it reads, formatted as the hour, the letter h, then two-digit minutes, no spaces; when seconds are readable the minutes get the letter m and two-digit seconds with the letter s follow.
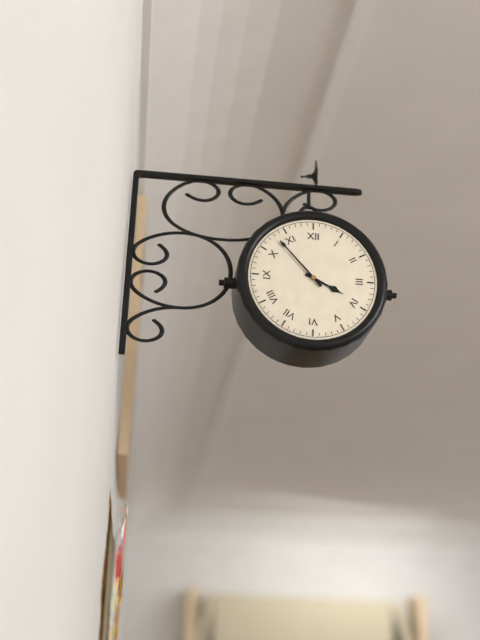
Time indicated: 3h53
